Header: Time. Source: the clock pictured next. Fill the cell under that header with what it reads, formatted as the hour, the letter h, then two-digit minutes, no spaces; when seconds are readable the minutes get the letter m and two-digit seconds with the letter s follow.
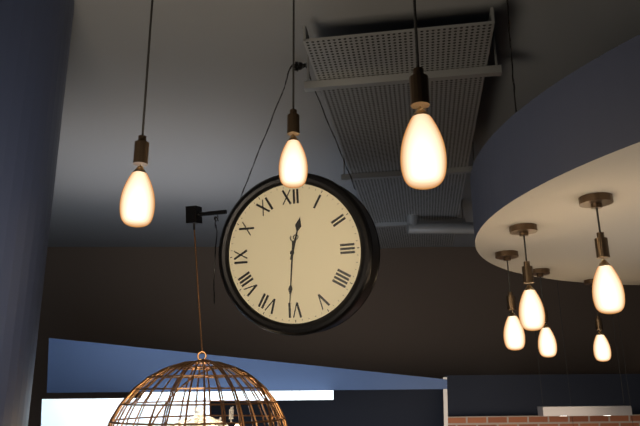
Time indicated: 12h31
